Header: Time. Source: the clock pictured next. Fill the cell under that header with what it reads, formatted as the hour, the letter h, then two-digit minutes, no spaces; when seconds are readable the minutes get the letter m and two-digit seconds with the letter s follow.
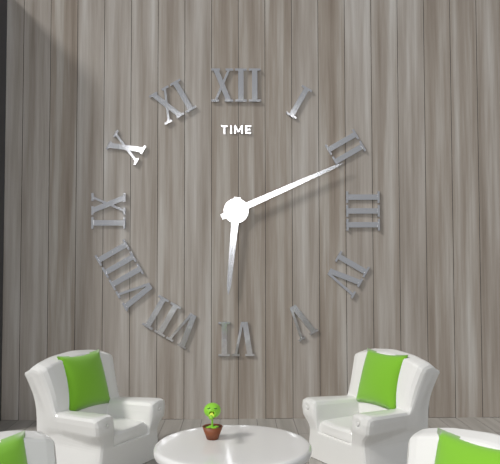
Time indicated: 6h11
